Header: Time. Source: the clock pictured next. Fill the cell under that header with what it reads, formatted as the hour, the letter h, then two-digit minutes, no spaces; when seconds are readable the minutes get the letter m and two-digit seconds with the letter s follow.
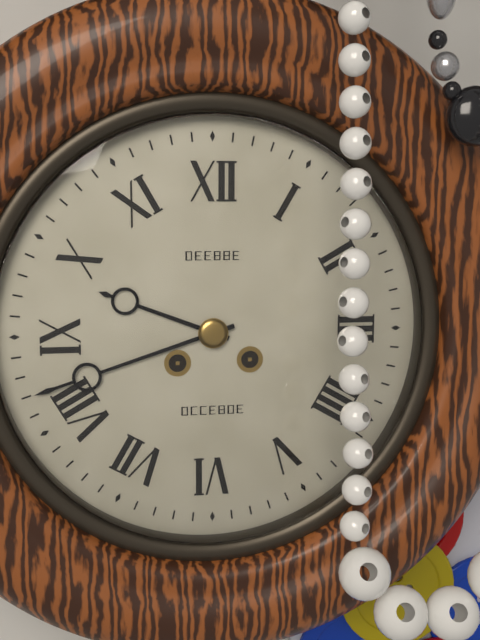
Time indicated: 9h42
